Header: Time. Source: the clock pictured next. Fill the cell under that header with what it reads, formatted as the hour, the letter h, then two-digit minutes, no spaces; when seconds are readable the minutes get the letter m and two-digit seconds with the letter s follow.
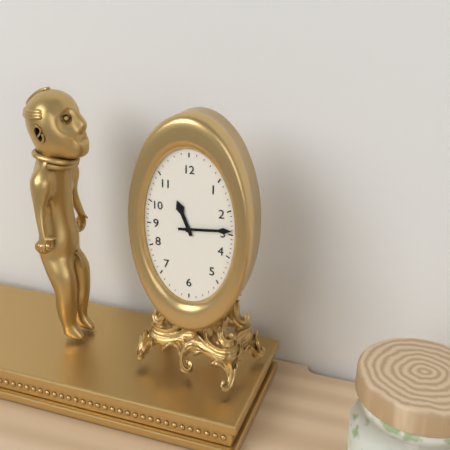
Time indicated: 11h14
